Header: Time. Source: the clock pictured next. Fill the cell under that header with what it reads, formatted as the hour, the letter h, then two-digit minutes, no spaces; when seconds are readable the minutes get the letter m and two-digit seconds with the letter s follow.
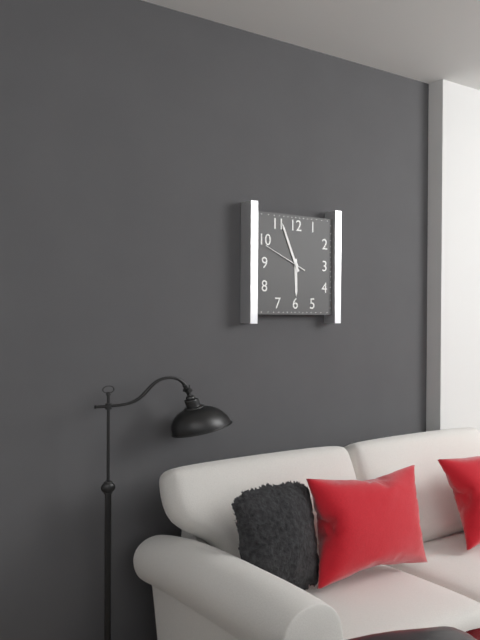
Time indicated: 5h56
